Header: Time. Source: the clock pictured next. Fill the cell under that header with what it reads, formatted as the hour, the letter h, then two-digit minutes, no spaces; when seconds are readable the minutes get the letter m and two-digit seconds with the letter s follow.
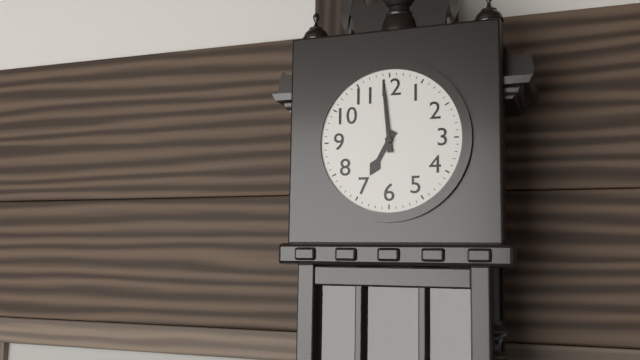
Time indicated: 6h59
